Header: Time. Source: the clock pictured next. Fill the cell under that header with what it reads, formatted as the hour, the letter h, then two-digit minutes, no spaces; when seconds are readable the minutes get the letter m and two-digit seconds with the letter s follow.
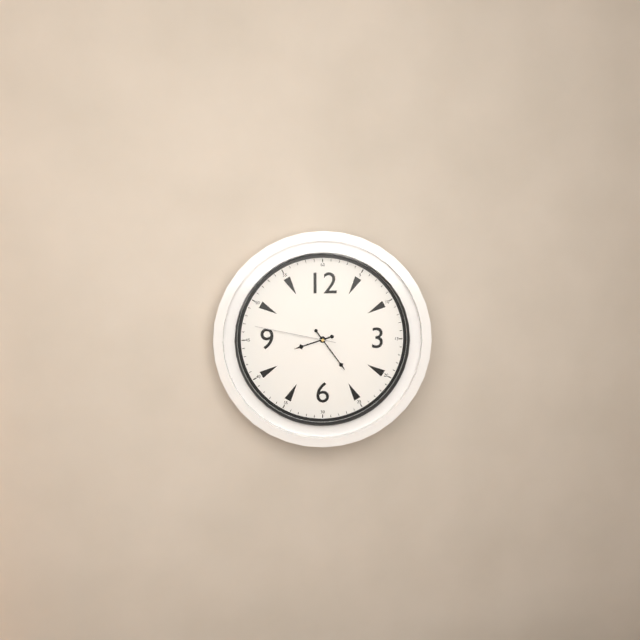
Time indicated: 8h24m47s
